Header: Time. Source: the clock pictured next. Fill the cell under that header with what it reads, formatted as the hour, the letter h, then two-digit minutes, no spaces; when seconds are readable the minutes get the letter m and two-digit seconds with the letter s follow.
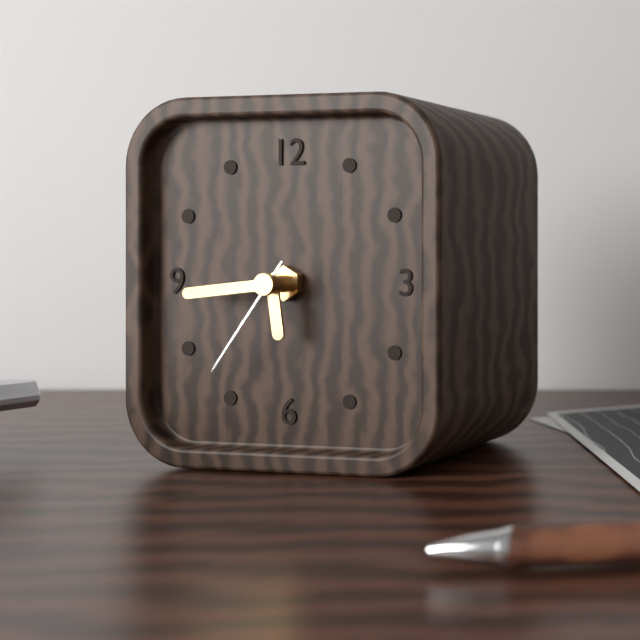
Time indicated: 5h44m36s
